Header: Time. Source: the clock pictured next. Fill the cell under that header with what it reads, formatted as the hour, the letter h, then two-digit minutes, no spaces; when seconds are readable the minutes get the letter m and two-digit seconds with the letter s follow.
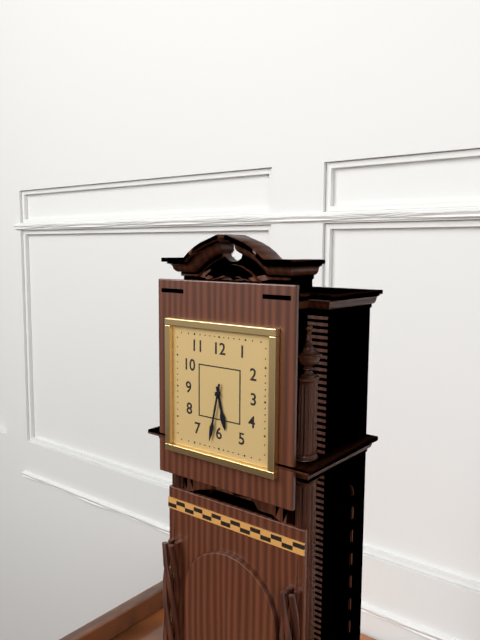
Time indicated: 5h32
